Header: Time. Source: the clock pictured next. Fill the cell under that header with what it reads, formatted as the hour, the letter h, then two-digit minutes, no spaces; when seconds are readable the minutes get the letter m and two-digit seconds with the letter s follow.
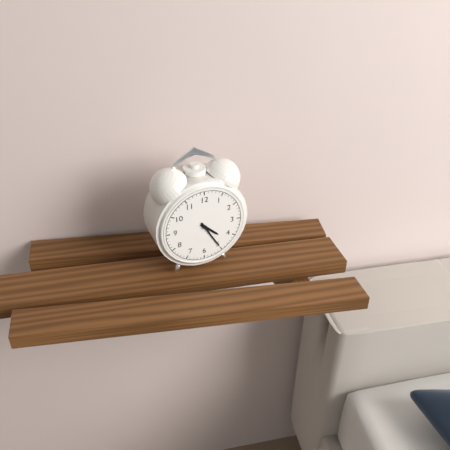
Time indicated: 4h25
